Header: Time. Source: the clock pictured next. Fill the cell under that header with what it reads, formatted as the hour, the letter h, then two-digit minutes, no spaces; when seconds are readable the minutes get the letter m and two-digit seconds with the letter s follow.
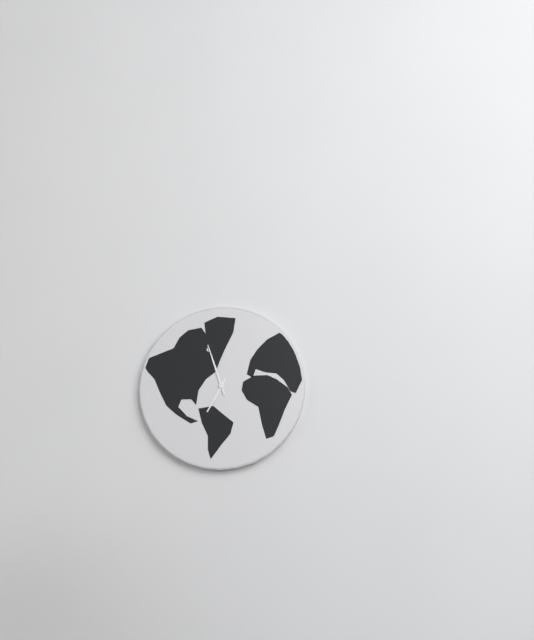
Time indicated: 6h57
